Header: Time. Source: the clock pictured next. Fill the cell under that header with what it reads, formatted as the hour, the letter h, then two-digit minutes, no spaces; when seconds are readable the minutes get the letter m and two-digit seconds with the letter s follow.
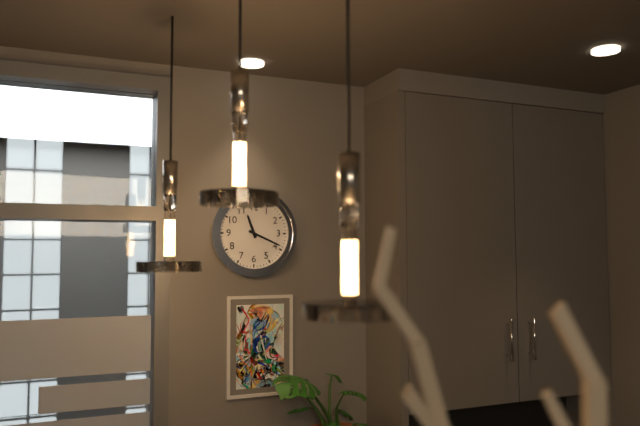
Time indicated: 11h19
